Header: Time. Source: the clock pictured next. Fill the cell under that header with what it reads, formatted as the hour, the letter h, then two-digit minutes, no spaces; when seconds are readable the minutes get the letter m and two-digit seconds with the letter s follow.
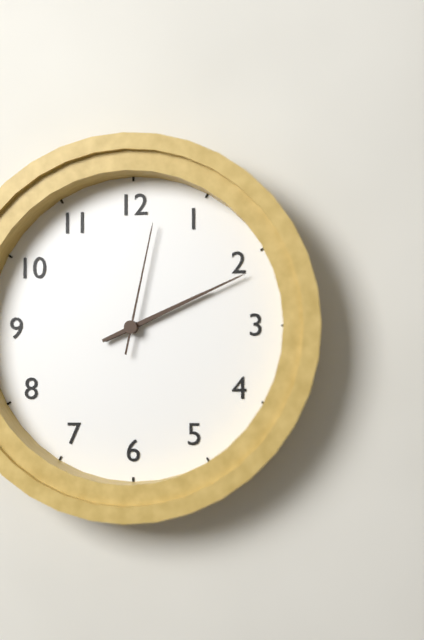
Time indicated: 2h11m02s
